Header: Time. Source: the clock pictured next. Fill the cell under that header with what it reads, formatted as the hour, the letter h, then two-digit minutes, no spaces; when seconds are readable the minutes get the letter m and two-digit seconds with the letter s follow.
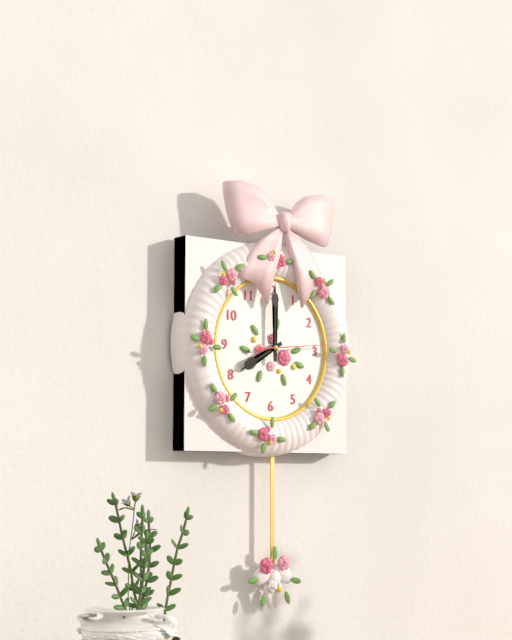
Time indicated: 8h00m14s
